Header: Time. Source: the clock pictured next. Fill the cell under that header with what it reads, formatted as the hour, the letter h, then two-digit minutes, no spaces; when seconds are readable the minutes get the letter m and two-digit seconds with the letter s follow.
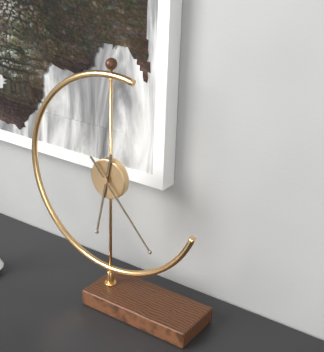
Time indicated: 6h23
